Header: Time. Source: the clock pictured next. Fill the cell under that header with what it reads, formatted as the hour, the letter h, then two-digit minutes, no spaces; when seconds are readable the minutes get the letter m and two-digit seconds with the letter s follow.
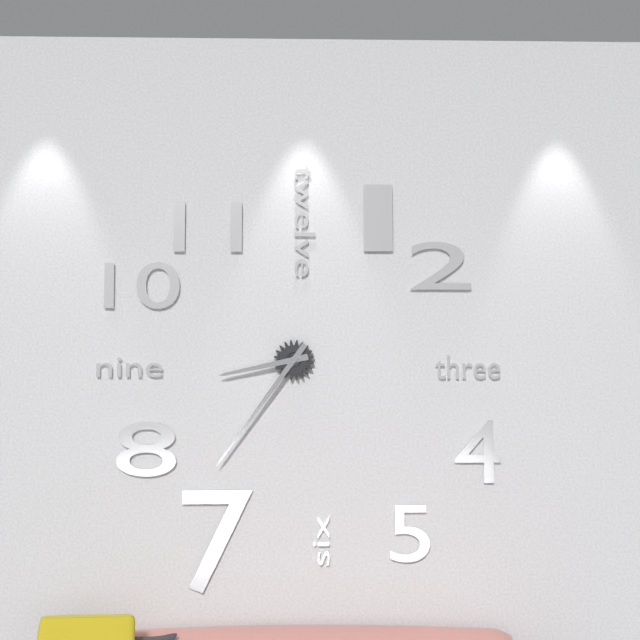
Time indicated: 8h36
